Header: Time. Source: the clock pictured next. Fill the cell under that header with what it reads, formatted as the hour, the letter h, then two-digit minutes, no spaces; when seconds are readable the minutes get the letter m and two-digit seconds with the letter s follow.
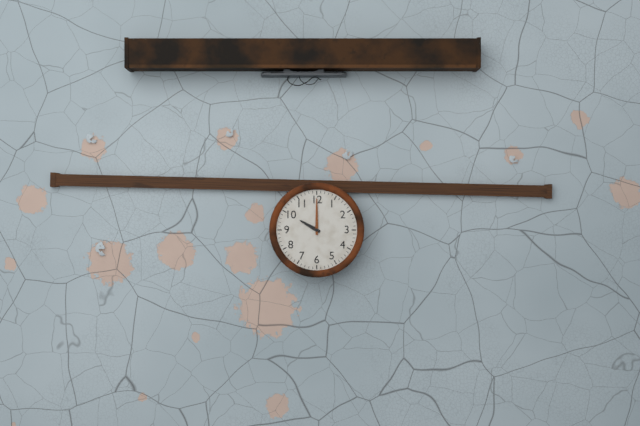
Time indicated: 10h00
